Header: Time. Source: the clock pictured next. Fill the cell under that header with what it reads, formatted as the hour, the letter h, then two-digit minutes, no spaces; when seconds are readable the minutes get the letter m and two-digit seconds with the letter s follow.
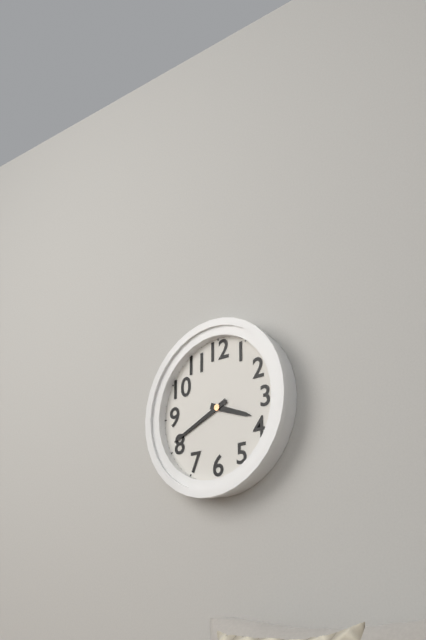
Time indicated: 3h41
